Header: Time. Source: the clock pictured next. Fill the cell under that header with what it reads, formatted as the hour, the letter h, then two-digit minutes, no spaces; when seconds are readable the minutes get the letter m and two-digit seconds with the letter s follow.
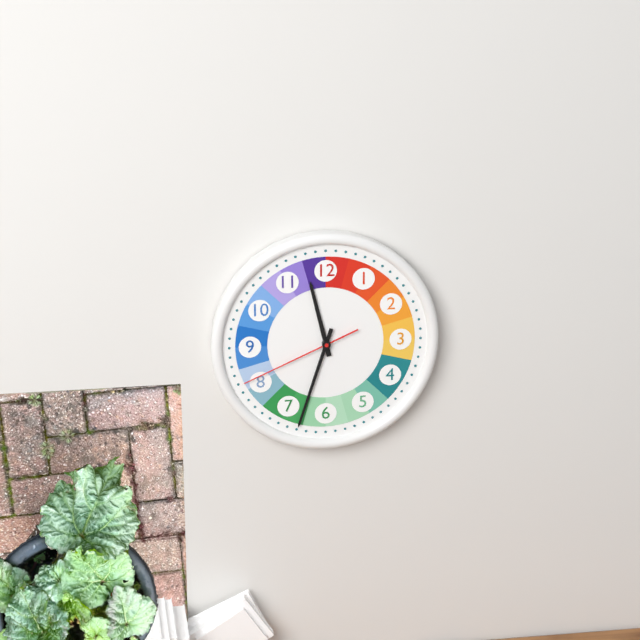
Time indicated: 11h33m41s
